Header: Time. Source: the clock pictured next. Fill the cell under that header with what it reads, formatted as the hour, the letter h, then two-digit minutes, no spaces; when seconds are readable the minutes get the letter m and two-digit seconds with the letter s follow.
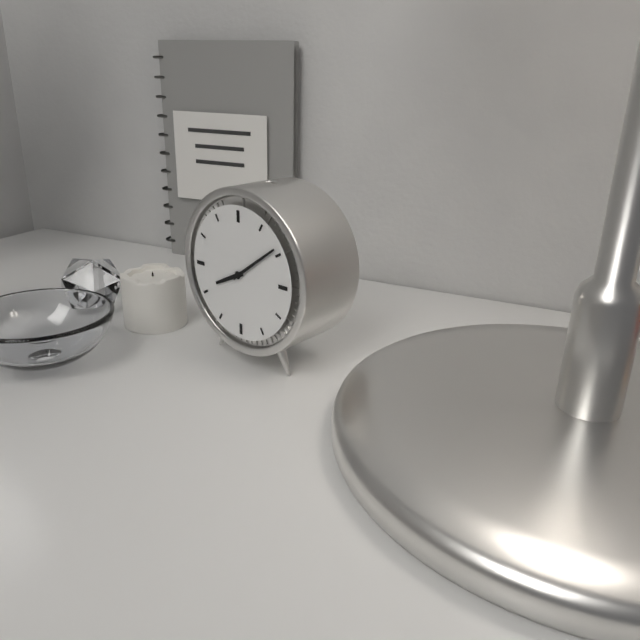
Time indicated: 8h09
